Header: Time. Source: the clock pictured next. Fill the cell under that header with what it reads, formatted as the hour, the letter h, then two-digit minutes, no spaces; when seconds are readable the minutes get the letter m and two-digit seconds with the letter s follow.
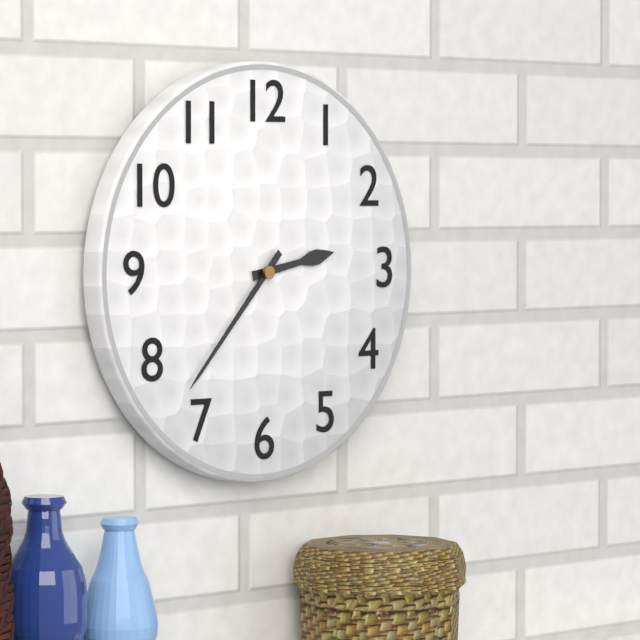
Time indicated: 2h37
